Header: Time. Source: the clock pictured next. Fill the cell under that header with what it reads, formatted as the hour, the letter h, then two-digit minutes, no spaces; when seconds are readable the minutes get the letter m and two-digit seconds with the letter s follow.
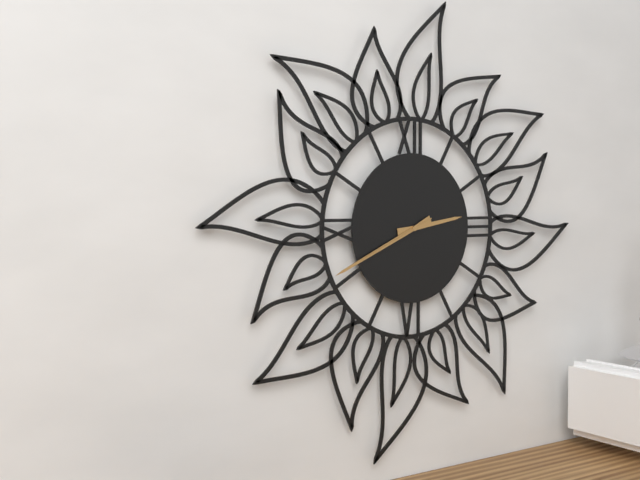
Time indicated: 2h41m41s
